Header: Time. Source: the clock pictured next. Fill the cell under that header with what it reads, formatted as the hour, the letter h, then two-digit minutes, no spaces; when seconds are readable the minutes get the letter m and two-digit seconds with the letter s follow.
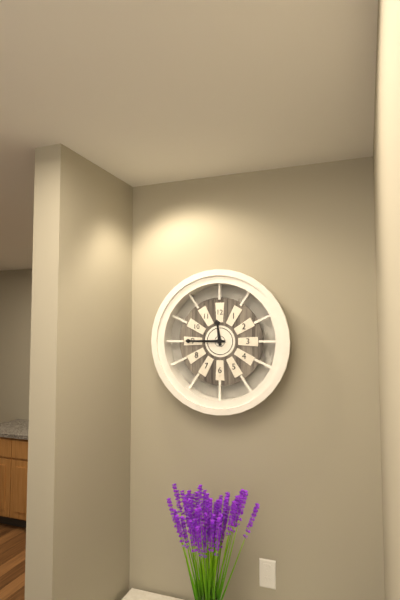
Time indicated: 11h45
